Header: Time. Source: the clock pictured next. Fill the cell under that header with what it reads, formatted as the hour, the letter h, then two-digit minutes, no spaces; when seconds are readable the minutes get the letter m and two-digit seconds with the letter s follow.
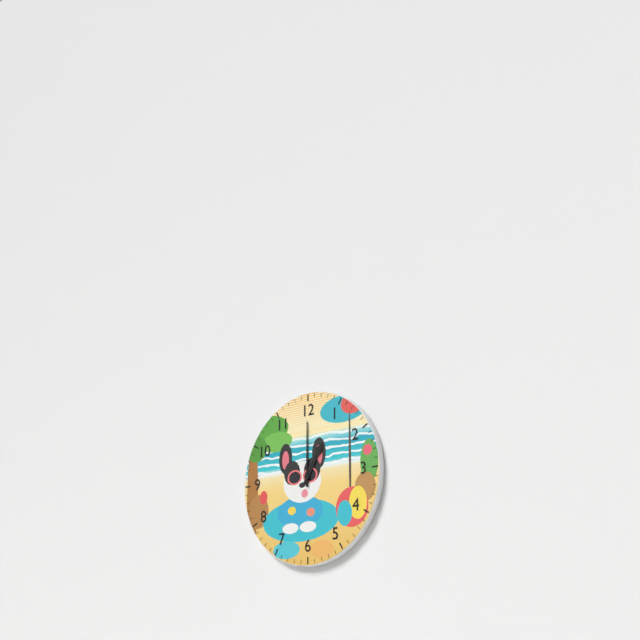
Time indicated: 1h00
